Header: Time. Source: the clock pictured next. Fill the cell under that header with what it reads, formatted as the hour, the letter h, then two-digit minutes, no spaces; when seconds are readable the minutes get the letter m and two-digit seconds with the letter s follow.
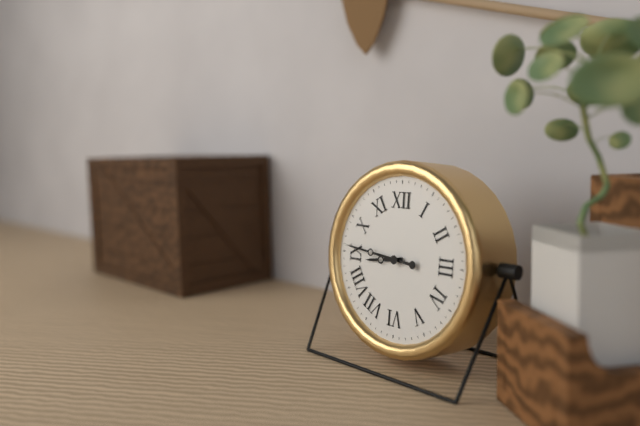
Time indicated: 8h46
